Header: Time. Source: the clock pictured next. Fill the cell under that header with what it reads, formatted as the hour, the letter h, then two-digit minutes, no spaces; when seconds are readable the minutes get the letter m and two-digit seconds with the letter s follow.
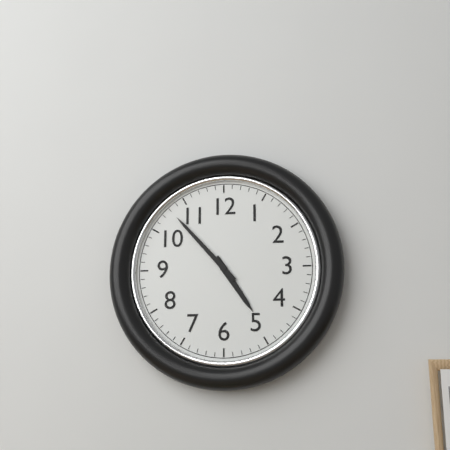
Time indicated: 4h53
